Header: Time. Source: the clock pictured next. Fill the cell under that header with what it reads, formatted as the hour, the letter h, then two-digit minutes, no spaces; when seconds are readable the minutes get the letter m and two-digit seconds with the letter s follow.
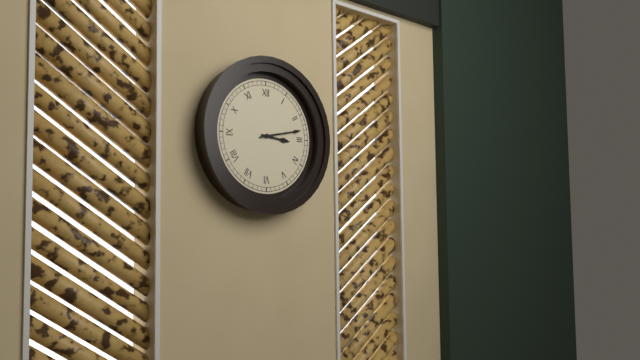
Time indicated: 3h13
